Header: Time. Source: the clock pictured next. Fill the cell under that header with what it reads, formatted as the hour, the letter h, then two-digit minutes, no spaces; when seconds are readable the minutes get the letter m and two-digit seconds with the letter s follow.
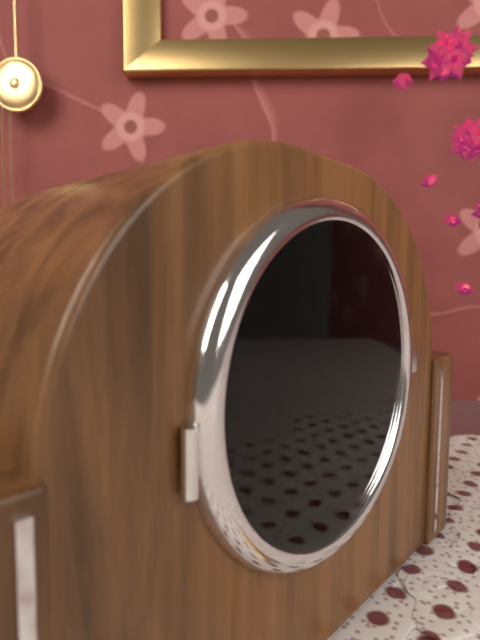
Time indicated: 3h11
